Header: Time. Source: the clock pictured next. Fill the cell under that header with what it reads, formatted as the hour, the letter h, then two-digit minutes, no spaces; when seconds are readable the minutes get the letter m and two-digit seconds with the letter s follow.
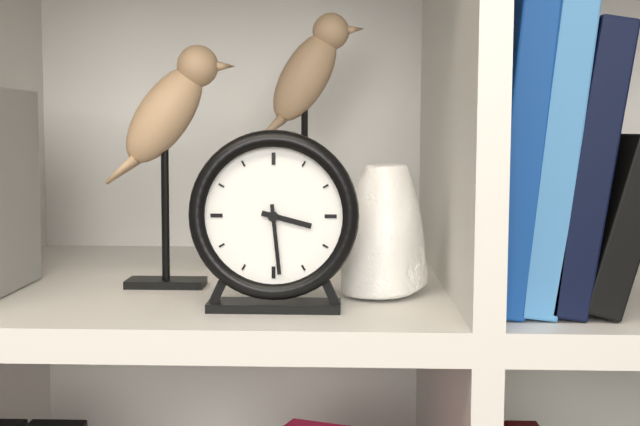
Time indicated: 3h29
